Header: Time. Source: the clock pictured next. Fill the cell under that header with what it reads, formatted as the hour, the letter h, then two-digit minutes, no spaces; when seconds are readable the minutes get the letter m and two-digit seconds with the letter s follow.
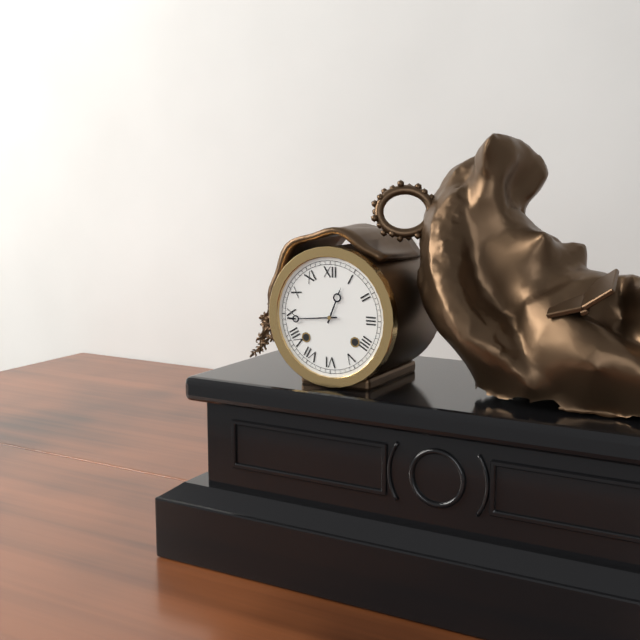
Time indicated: 12h44
